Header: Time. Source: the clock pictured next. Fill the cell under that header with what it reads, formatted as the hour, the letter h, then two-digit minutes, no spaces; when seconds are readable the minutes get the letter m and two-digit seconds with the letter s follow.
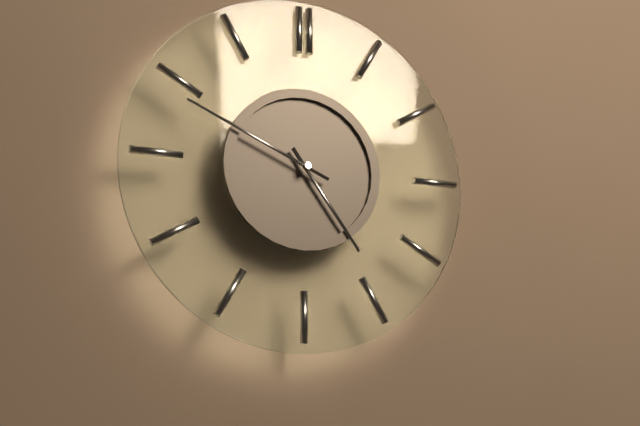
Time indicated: 4h49
